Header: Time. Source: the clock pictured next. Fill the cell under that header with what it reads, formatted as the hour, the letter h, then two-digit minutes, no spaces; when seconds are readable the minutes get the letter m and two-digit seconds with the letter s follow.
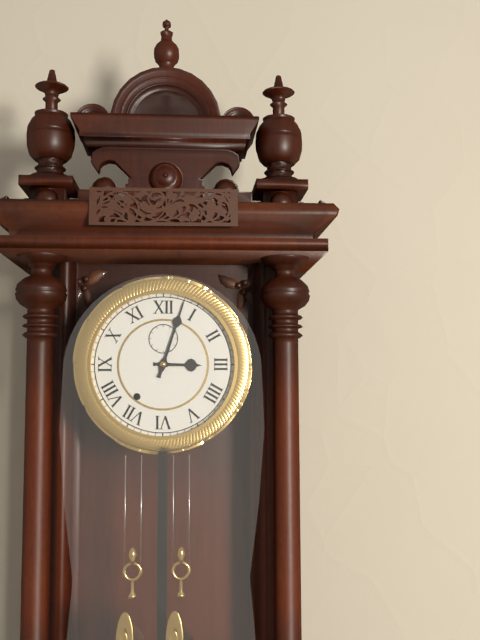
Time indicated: 3h03
